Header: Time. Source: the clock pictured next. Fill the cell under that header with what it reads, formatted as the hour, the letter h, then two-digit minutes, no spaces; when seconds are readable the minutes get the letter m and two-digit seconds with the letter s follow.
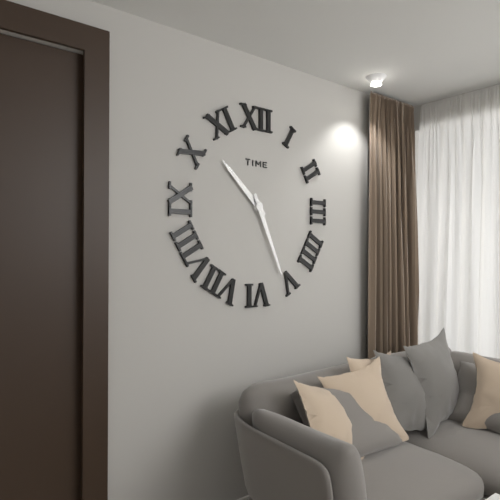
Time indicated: 10h26
